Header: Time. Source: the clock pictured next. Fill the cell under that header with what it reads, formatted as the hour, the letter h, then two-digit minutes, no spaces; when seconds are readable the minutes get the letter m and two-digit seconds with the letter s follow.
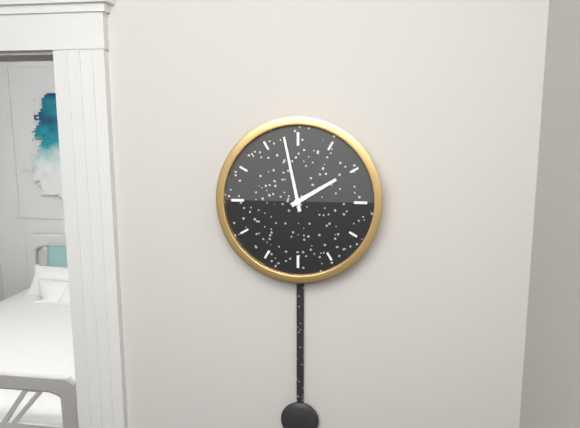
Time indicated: 1h58
